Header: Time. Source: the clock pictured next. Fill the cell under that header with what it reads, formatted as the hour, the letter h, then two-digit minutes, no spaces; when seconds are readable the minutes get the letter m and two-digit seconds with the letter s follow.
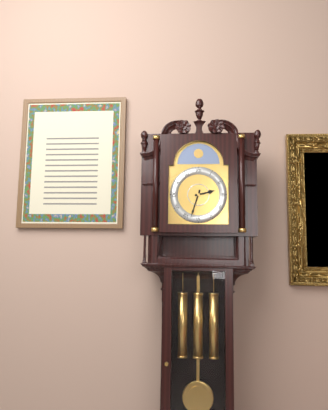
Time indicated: 2h33
